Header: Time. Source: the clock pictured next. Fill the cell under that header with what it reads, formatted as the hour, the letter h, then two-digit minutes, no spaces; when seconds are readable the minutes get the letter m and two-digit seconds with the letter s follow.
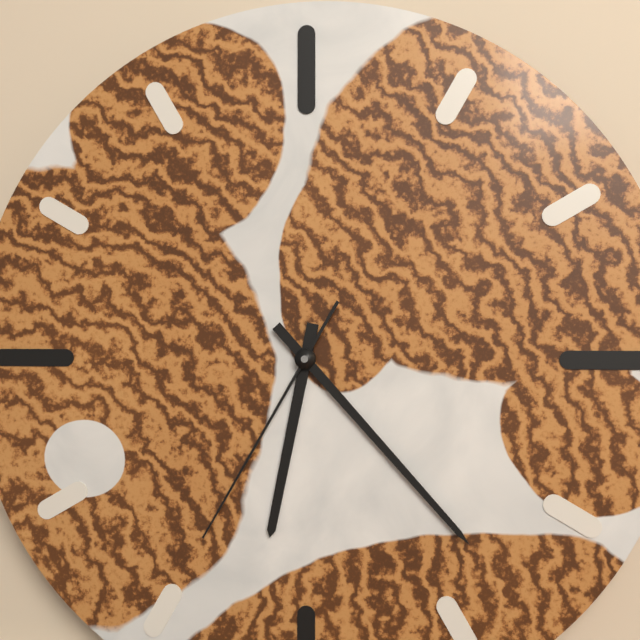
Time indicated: 6h23m35s
